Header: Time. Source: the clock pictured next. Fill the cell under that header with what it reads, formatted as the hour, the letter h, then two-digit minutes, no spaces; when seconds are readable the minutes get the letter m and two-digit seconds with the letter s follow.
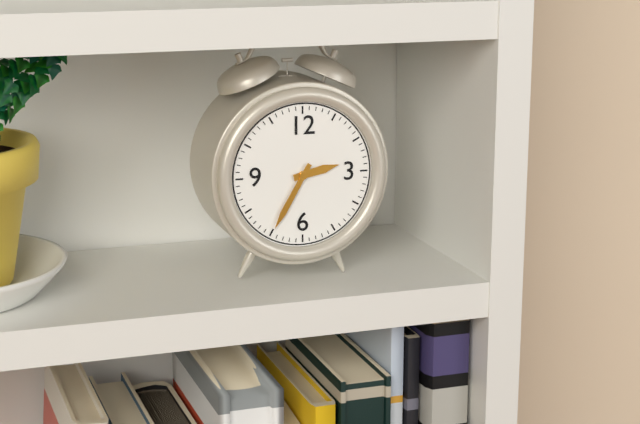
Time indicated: 2h35
